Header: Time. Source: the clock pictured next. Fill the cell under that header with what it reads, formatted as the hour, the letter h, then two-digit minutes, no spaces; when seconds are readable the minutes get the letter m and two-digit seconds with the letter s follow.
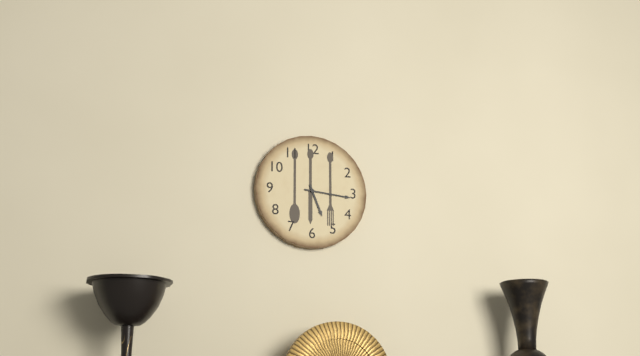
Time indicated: 5h16
